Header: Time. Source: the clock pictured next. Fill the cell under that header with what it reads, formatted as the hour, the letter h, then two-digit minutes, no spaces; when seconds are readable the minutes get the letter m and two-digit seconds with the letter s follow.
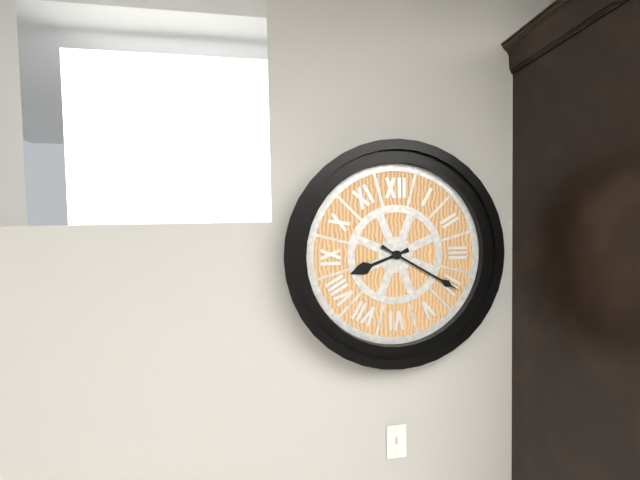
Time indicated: 8h20
